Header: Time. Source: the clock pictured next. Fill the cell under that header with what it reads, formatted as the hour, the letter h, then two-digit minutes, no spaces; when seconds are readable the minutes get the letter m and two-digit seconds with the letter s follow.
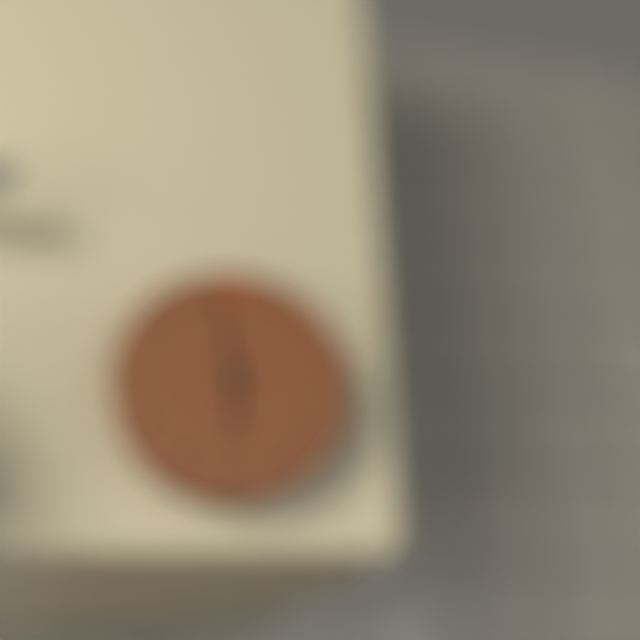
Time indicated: 5h58
